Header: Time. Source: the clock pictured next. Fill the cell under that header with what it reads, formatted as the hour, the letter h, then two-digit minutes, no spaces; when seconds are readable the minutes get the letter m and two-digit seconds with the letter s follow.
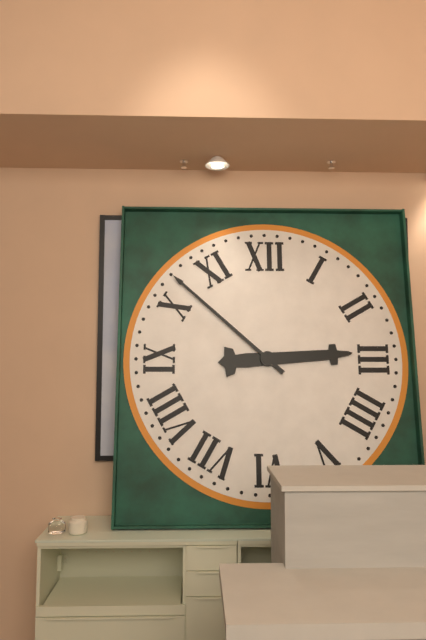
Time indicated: 2h52
